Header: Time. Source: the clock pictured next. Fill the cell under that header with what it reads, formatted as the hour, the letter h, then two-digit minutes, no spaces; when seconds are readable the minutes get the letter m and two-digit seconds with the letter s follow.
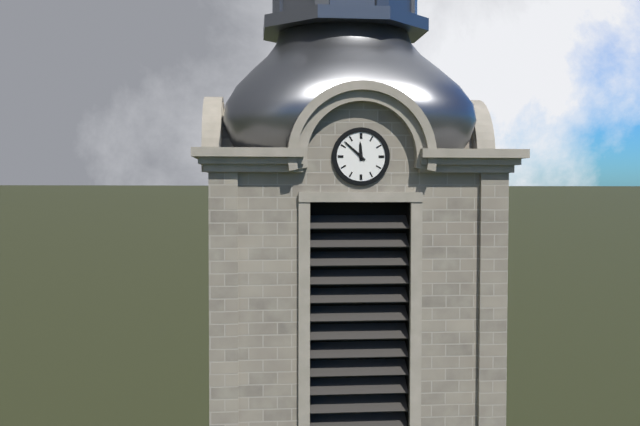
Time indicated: 11h52
